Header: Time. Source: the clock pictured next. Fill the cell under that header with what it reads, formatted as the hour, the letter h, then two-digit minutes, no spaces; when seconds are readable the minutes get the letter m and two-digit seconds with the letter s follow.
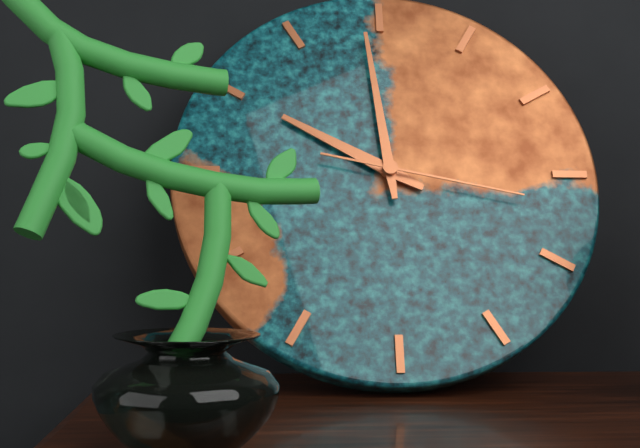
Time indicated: 9h59m17s
